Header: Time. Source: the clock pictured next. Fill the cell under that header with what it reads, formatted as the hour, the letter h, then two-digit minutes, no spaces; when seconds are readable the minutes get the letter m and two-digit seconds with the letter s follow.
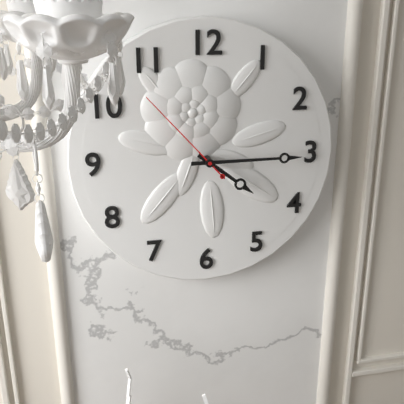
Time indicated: 4h15m53s
